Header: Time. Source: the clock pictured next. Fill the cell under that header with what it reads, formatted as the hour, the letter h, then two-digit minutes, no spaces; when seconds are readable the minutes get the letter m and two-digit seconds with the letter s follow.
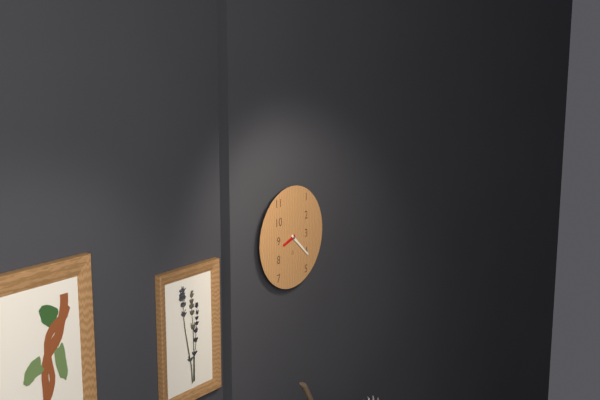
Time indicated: 8h22
